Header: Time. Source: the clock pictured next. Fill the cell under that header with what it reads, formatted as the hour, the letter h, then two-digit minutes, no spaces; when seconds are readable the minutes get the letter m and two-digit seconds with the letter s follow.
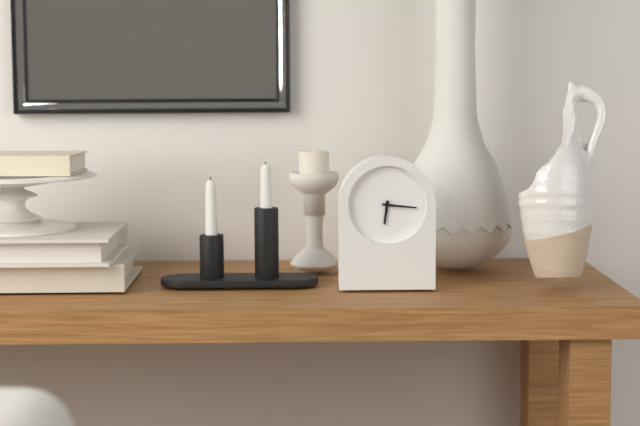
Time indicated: 6h16
